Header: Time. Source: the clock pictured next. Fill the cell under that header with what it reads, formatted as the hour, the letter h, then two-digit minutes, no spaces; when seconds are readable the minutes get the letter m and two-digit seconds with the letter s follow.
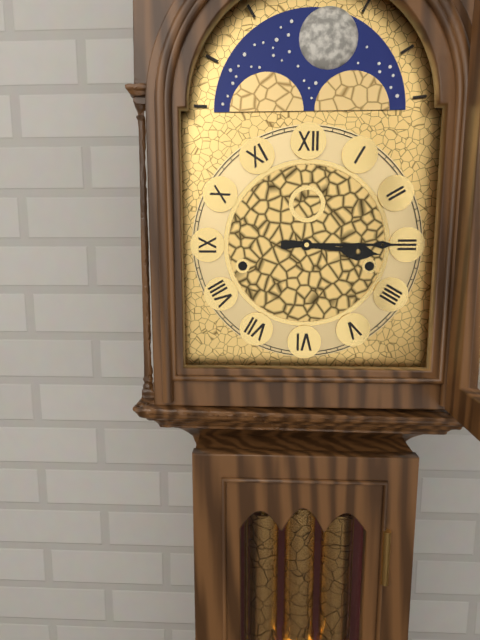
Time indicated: 3h15
